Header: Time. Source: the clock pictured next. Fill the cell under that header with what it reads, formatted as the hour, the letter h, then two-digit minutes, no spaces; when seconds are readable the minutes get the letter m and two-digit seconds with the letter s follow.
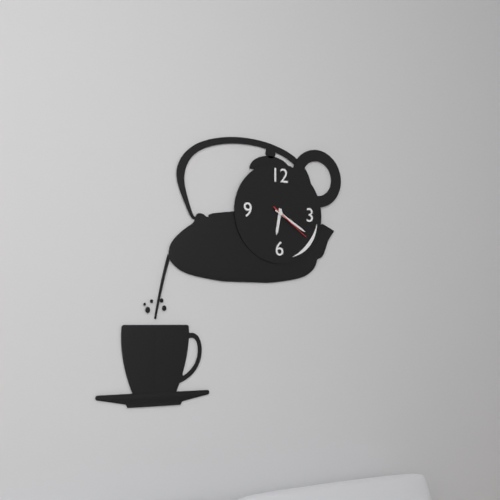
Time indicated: 6h20
